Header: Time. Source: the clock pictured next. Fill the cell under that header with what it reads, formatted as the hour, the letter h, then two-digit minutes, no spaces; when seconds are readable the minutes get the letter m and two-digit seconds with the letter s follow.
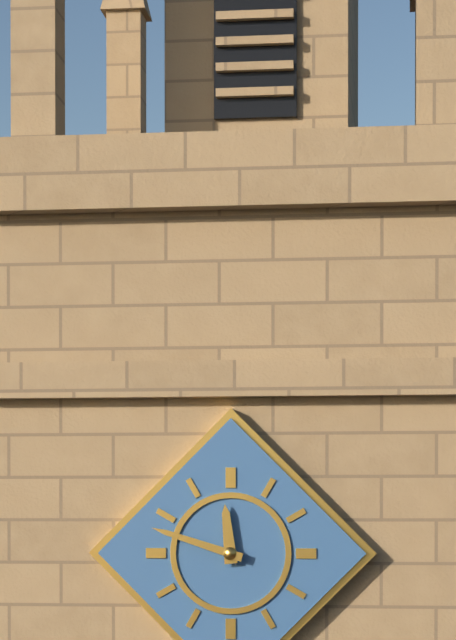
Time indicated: 11h48
